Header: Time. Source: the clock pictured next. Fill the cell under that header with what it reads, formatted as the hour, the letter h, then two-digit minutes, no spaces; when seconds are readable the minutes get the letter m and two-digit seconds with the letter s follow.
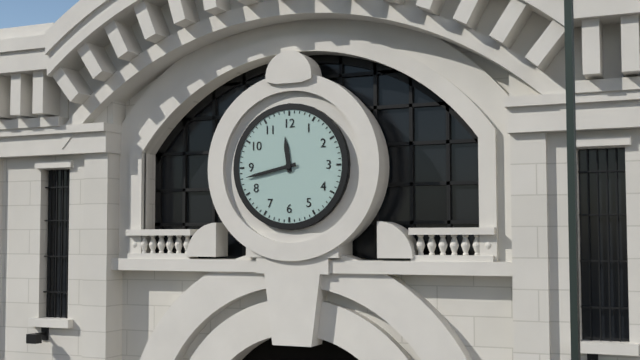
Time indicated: 11h43
